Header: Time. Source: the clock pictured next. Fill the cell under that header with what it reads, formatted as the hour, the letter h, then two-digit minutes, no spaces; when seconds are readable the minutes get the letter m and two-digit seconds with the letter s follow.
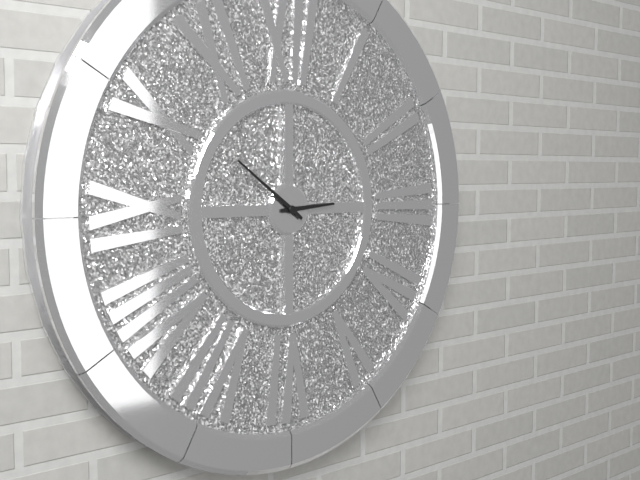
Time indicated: 2h51
